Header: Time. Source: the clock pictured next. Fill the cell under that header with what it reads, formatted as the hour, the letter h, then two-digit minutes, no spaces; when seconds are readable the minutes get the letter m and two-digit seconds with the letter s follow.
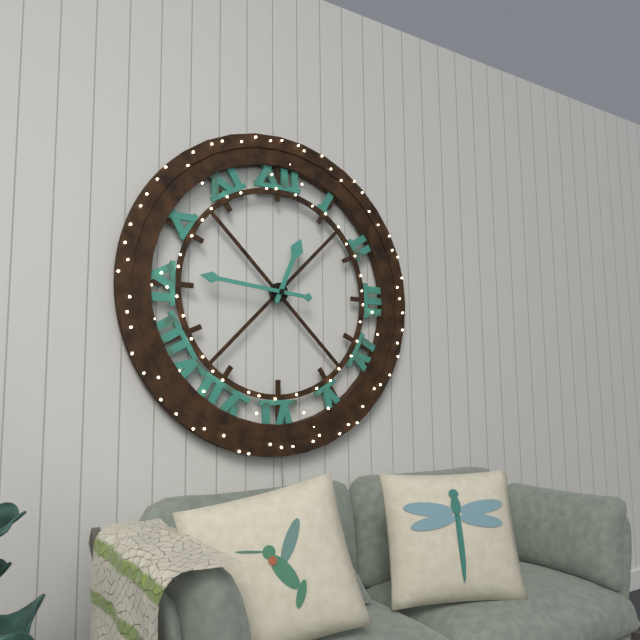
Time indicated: 12h46
